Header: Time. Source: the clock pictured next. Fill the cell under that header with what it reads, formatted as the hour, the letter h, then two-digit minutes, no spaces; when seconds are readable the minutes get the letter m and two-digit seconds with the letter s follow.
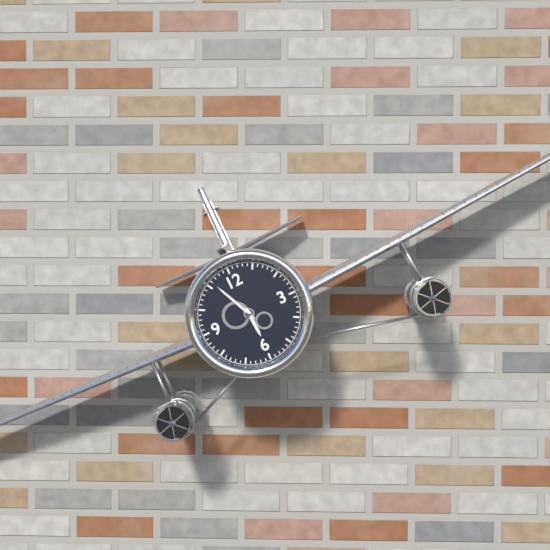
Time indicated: 5h56
